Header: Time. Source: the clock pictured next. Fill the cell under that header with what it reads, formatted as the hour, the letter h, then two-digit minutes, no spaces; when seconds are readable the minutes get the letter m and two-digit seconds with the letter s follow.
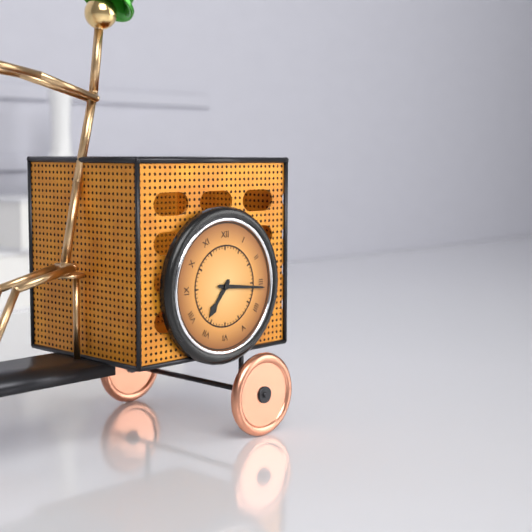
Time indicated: 7h16
